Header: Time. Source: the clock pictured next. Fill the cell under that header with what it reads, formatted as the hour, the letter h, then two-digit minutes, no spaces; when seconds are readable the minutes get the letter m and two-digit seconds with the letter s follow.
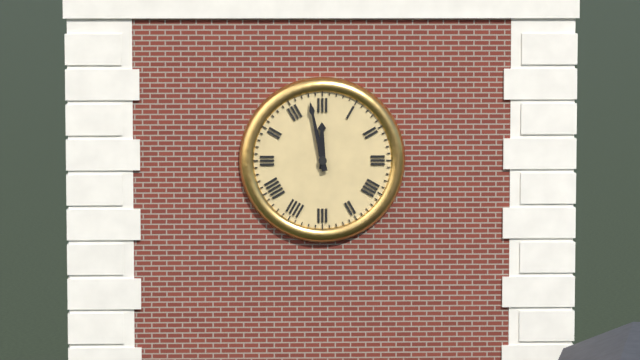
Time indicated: 11h58
